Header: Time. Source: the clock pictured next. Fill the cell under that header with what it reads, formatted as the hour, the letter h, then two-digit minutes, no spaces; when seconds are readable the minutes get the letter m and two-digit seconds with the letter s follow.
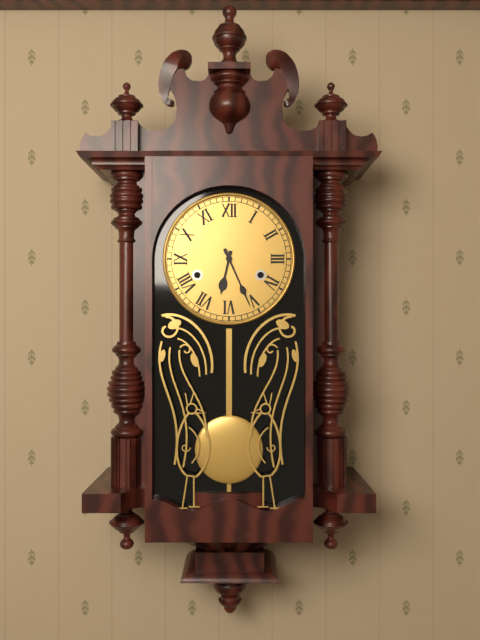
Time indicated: 6h26
